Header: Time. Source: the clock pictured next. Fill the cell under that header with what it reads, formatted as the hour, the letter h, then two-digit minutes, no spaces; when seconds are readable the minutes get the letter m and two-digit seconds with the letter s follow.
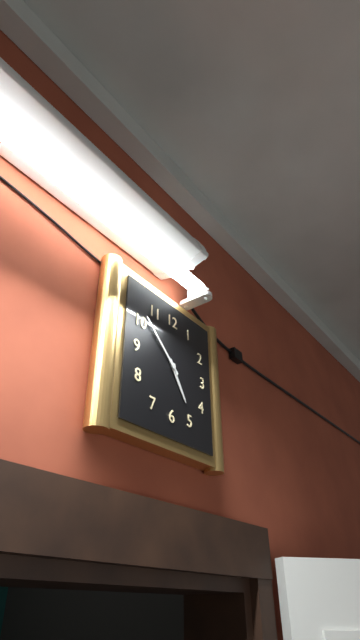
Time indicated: 4h52
